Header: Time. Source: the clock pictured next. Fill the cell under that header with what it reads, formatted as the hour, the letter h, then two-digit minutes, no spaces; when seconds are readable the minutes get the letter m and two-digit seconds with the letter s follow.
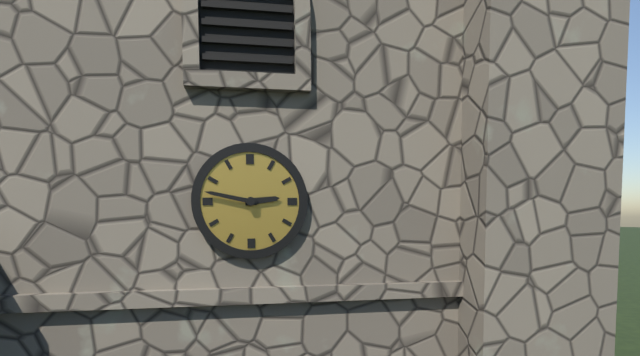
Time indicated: 2h47
